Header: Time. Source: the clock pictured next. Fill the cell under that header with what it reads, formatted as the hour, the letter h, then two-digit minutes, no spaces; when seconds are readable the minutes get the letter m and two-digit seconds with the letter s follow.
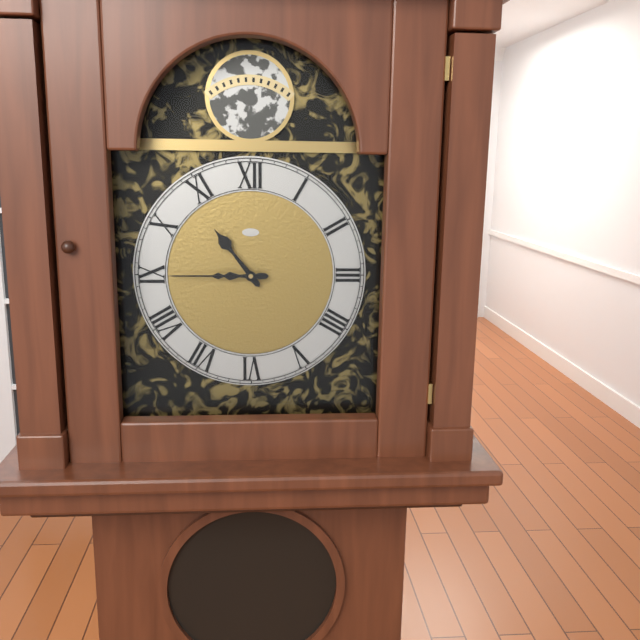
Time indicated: 10h45
